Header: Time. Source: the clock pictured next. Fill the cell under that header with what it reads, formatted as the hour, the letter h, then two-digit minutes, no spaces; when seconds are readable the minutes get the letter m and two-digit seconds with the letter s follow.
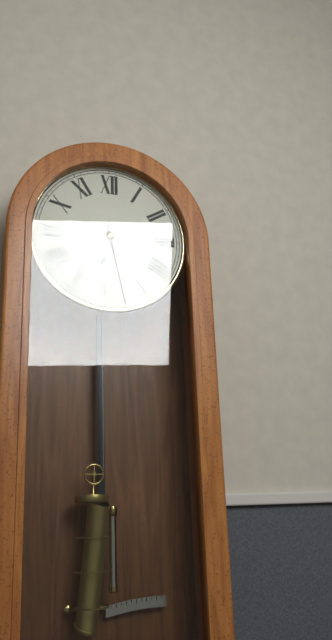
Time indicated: 6h28
